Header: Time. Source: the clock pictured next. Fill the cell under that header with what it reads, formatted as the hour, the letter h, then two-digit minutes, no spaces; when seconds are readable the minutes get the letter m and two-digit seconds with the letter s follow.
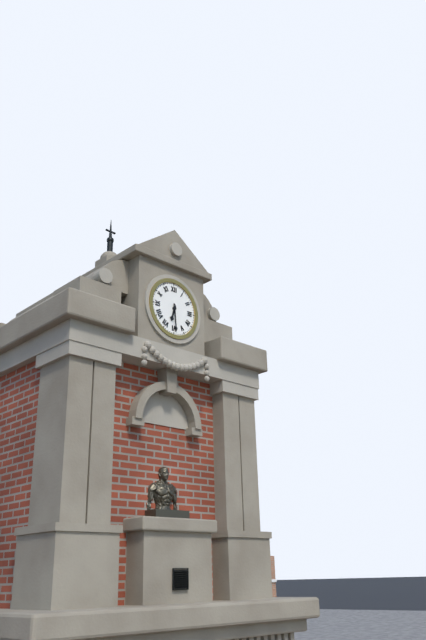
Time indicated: 6h29
